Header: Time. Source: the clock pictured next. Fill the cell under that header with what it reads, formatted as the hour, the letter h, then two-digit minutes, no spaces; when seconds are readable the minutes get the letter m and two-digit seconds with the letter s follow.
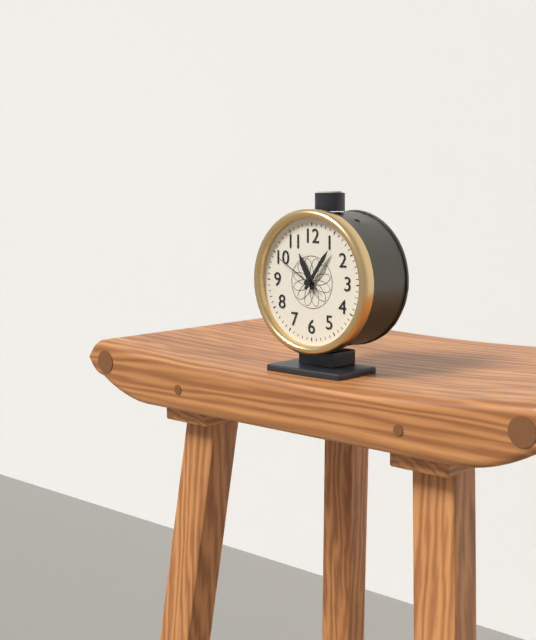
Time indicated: 11h06
